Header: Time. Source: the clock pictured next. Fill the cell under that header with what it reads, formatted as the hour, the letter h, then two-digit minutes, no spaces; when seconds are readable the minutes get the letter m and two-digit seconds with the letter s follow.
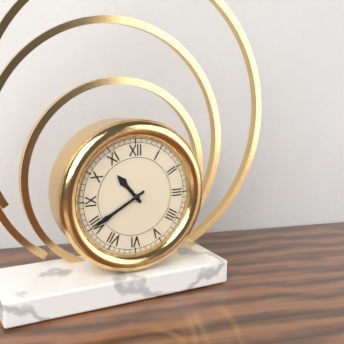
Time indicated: 10h40
